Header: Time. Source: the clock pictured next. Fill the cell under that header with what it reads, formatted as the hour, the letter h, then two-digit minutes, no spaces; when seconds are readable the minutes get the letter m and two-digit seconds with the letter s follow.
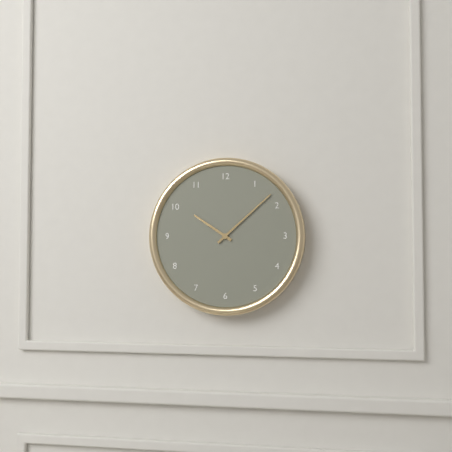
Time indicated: 10h08
